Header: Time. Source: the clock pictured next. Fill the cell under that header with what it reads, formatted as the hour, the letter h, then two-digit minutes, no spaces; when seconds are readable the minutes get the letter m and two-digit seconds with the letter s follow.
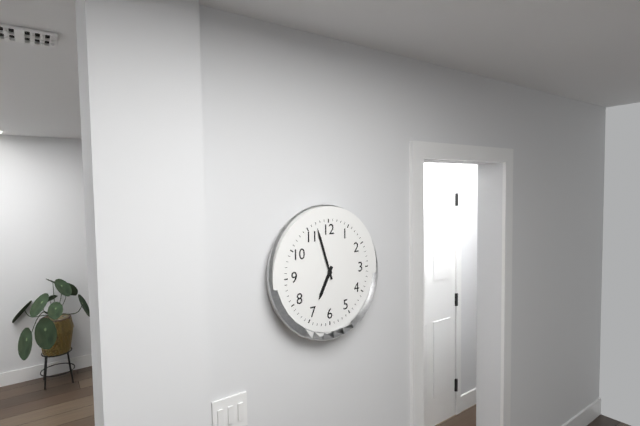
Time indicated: 6h57
